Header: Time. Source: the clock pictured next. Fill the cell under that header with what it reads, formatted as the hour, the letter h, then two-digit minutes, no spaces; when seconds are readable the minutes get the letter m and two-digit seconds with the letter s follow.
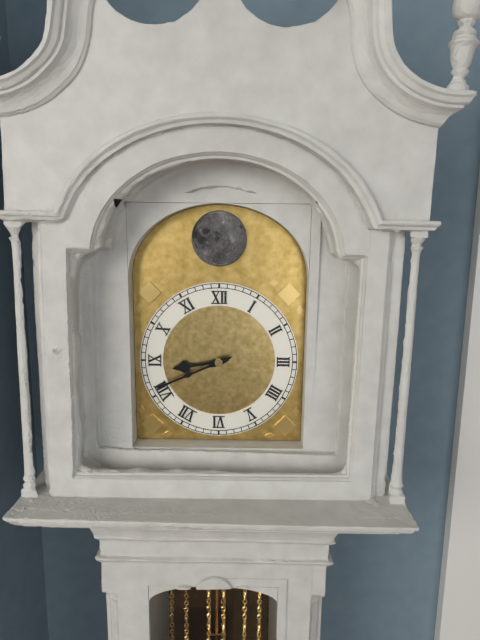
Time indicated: 8h41
